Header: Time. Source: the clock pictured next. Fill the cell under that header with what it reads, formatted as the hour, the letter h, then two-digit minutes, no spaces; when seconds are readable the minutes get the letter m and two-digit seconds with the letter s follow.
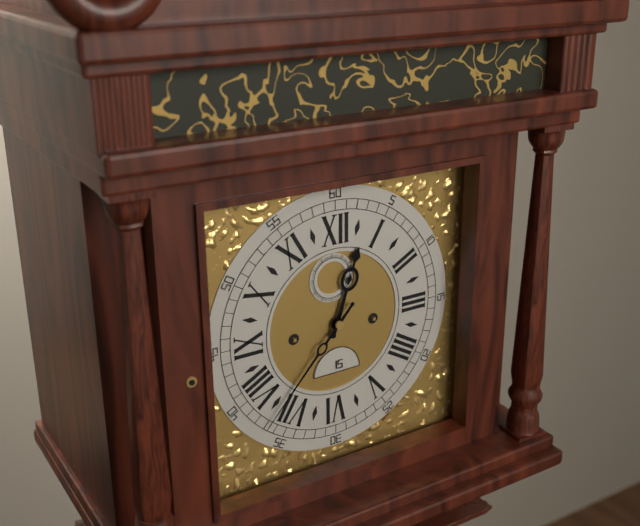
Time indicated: 12h37
